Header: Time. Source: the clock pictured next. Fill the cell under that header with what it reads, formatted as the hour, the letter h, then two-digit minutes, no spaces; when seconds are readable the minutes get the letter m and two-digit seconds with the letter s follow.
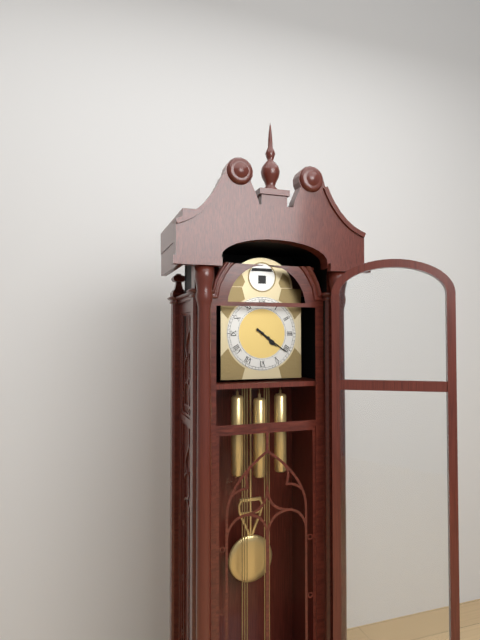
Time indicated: 4h21
